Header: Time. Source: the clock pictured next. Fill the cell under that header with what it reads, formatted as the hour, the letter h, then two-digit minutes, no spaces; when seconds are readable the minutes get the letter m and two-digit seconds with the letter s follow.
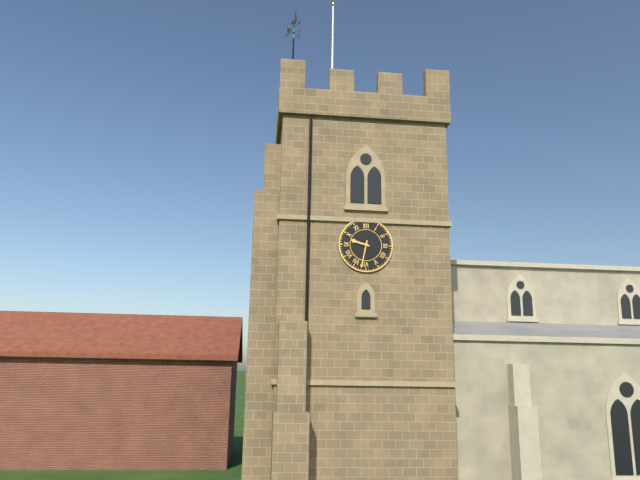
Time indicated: 9h32
